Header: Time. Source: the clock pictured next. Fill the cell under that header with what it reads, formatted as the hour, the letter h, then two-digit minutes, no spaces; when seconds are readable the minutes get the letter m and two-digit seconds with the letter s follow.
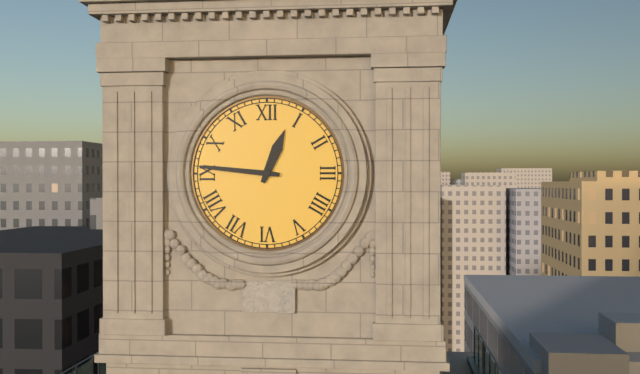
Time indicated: 12h46
